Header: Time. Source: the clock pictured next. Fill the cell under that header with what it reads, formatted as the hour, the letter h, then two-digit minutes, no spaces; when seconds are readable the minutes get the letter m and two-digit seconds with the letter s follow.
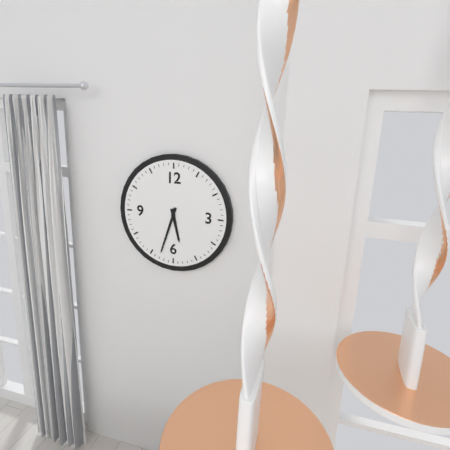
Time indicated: 5h33
